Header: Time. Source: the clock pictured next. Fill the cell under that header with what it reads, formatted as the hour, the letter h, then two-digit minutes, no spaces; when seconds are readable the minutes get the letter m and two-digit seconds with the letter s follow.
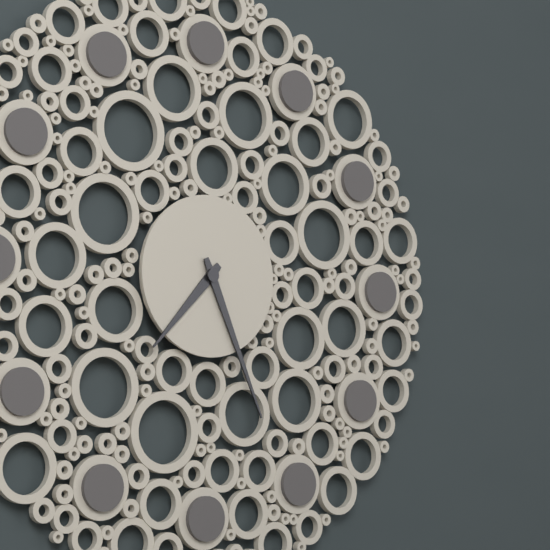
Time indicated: 7h26
